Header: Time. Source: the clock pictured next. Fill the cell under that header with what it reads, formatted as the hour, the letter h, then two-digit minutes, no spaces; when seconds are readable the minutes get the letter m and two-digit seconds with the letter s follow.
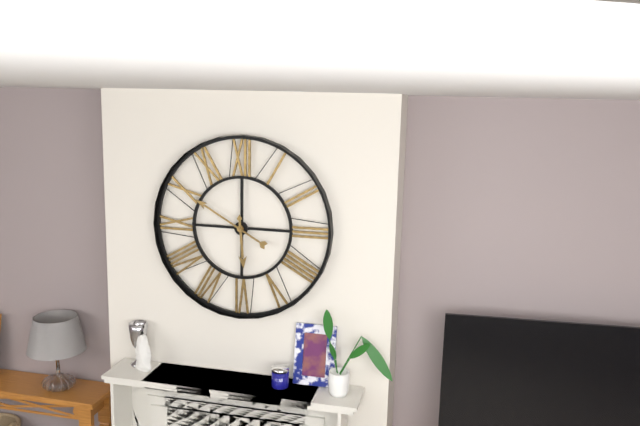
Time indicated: 5h50
